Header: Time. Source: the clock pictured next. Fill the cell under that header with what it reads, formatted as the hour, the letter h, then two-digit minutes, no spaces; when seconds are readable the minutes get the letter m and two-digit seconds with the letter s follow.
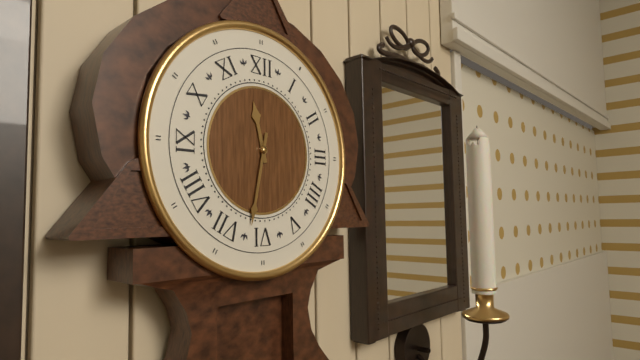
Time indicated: 11h32
